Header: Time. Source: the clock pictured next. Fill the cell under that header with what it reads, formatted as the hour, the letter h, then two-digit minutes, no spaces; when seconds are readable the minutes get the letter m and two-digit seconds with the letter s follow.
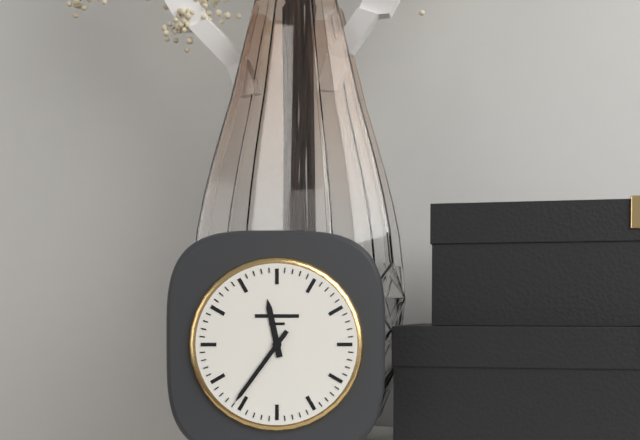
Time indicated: 11h36
